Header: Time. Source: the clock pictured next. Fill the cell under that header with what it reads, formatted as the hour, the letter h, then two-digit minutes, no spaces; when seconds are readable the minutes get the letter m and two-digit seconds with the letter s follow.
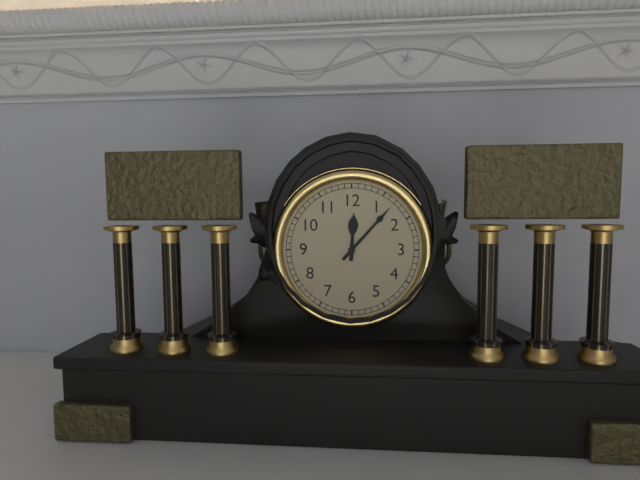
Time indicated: 12h07
